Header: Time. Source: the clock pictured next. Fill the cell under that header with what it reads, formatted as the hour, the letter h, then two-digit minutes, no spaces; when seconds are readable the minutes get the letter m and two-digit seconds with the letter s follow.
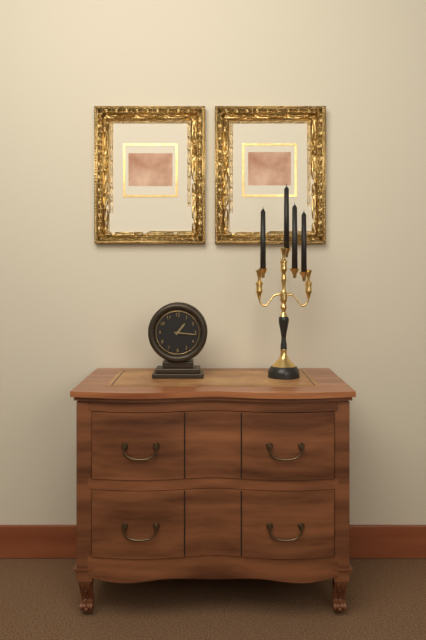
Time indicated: 1h16
